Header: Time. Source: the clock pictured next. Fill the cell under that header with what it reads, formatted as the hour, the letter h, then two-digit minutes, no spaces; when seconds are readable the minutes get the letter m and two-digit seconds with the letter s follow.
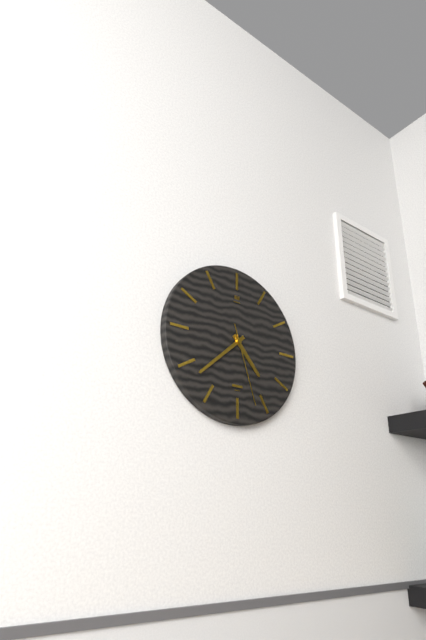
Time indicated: 4h38m27s
